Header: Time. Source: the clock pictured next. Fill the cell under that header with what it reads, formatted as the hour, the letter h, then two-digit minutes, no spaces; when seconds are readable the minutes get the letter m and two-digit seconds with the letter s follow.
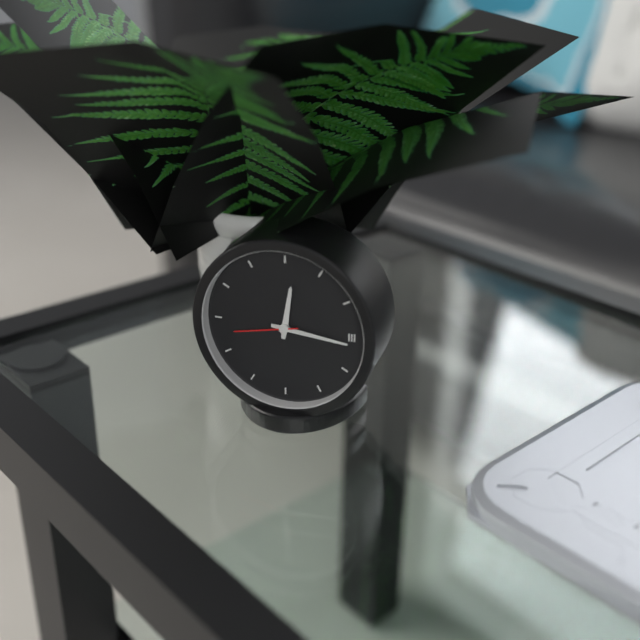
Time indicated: 12h16m43s
